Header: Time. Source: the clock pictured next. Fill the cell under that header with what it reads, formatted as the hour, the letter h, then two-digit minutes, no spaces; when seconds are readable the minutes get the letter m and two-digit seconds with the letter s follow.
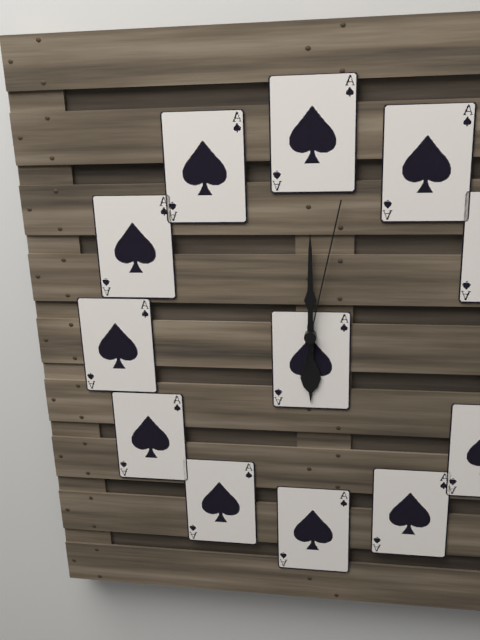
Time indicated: 6h00m02s
